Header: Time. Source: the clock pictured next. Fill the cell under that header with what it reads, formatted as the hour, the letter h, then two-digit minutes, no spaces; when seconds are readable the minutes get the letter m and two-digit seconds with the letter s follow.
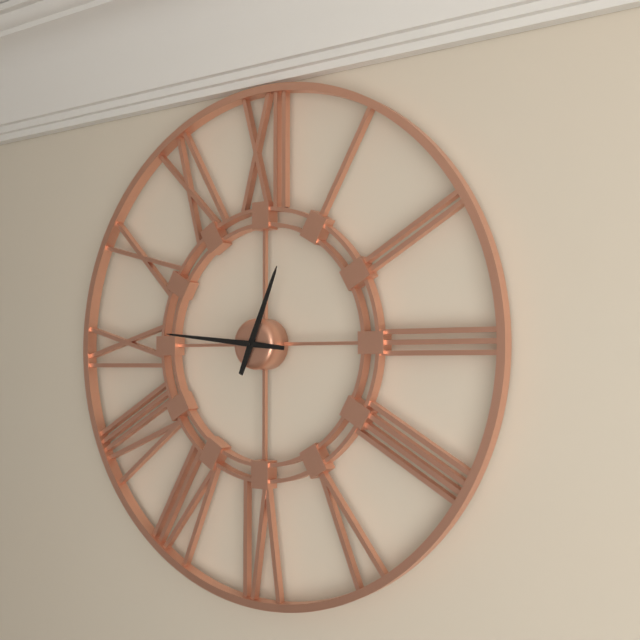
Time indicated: 12h46
